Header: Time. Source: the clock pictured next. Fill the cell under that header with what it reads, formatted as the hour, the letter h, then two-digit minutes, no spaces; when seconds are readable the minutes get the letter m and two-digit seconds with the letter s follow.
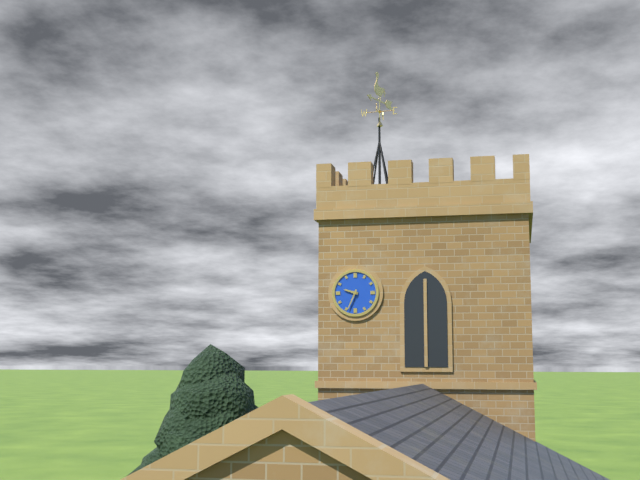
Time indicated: 9h34
